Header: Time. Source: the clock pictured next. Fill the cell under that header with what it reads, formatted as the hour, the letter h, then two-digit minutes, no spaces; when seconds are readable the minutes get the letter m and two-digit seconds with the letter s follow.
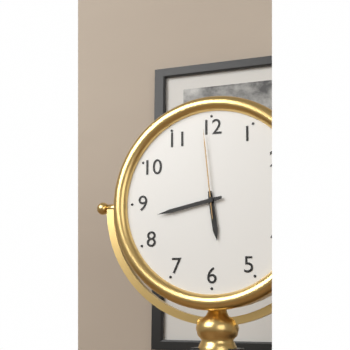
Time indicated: 5h43m59s
